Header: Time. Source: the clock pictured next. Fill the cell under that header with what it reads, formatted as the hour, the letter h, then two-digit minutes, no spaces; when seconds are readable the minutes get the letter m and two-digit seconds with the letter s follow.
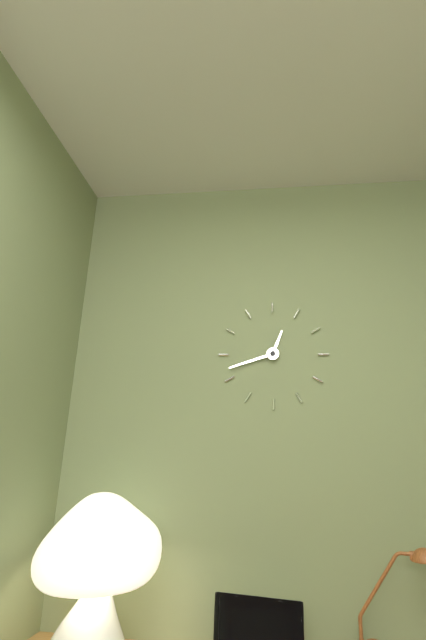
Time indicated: 12h42
